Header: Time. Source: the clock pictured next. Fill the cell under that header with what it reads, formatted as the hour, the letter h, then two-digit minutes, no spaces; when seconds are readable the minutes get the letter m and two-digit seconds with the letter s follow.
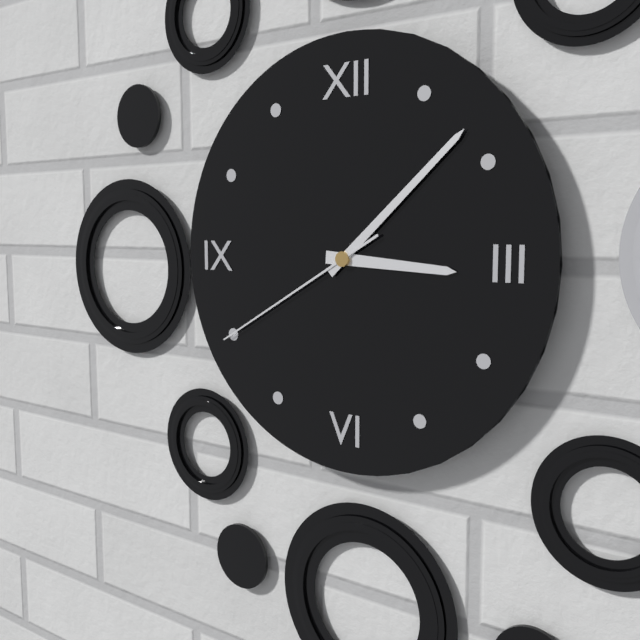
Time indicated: 3h08m40s
